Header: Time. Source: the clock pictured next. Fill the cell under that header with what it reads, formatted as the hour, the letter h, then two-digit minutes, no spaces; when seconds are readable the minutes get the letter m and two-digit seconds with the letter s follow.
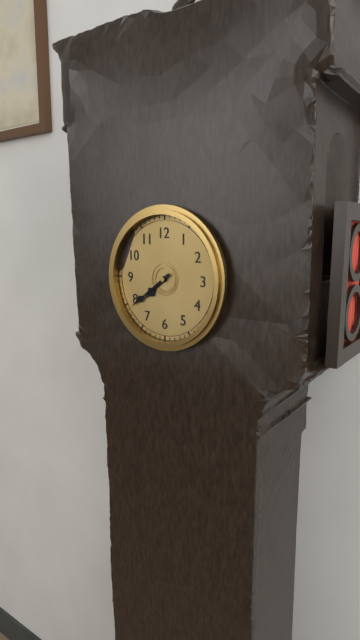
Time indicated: 7h39
